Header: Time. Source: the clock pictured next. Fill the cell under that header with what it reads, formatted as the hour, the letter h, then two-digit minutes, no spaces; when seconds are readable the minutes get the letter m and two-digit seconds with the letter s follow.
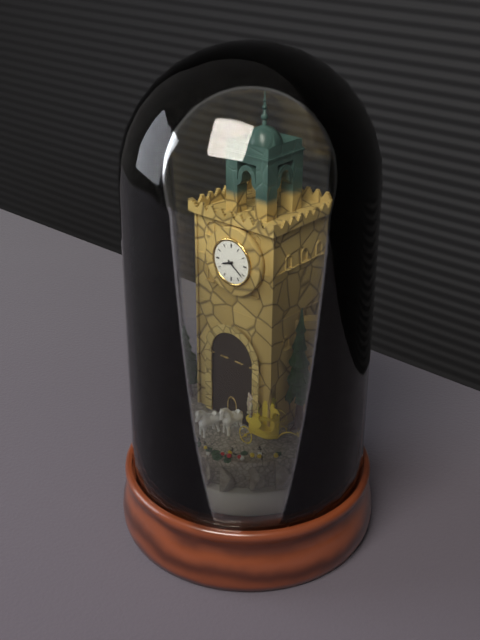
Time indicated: 8h21
